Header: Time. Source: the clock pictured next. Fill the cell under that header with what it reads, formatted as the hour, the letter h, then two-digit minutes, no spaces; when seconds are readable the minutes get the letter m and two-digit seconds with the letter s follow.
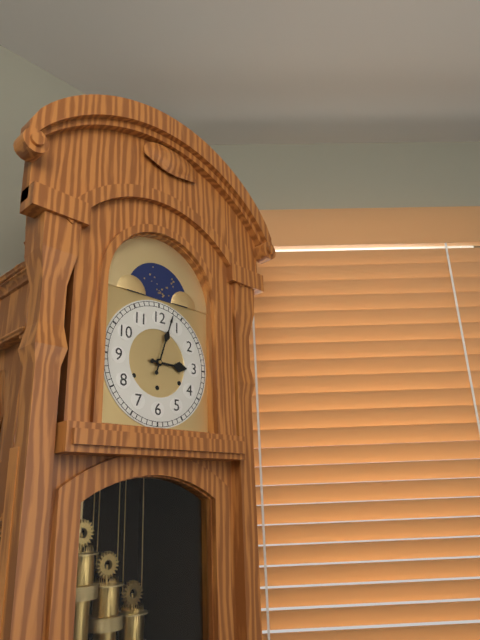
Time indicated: 3h03
